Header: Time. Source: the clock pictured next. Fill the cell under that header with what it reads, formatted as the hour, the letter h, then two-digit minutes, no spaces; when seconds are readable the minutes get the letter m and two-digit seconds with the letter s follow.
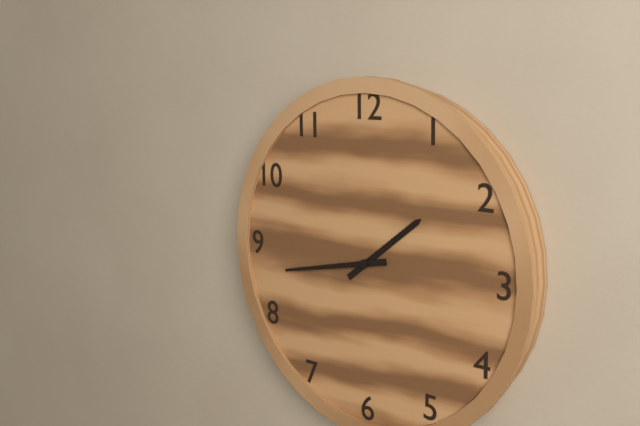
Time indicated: 1h43
